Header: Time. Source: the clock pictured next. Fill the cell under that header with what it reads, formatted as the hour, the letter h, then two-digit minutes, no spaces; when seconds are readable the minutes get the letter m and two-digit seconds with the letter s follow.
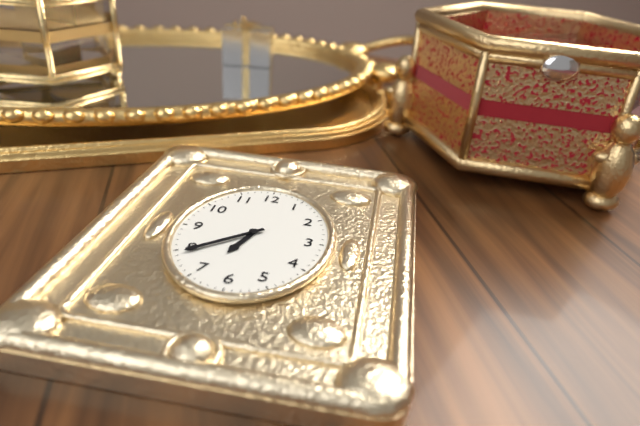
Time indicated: 6h38
